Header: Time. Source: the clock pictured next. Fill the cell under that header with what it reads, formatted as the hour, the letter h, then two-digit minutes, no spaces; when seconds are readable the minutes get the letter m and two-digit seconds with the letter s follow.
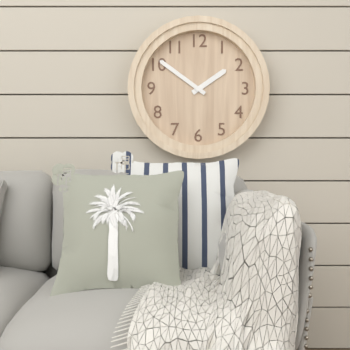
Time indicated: 1h51
